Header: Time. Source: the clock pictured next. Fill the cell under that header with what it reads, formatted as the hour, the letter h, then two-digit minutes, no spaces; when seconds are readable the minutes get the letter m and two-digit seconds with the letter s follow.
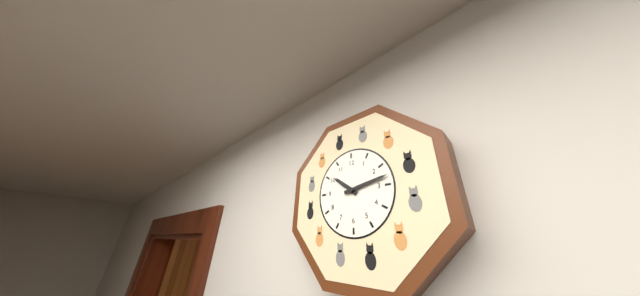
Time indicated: 10h13
